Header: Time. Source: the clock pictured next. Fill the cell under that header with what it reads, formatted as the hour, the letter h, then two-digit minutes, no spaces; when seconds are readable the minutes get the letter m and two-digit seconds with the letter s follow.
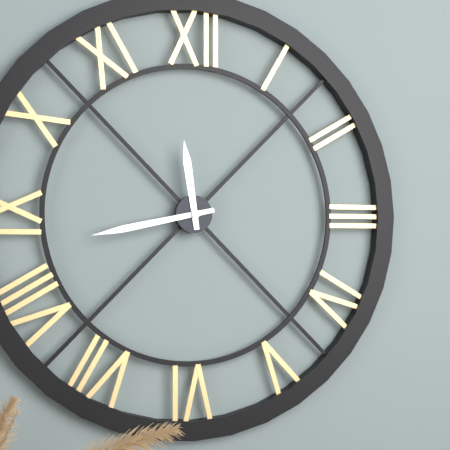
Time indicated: 11h43
